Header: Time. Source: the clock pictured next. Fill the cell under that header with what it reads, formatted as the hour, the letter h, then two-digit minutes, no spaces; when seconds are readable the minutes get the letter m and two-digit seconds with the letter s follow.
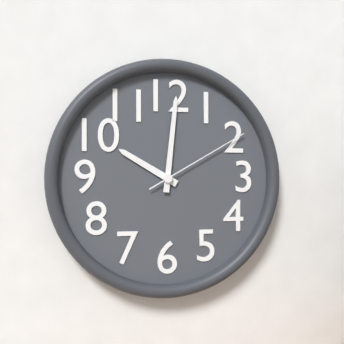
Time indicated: 10h01m10s
